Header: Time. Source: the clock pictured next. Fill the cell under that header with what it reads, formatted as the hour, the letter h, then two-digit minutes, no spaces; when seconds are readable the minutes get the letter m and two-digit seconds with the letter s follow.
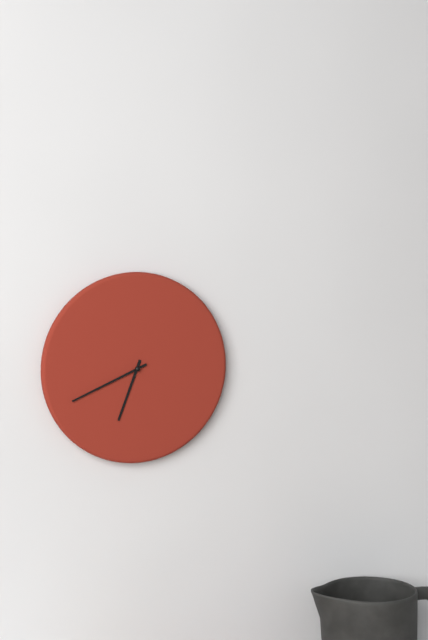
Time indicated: 6h41
